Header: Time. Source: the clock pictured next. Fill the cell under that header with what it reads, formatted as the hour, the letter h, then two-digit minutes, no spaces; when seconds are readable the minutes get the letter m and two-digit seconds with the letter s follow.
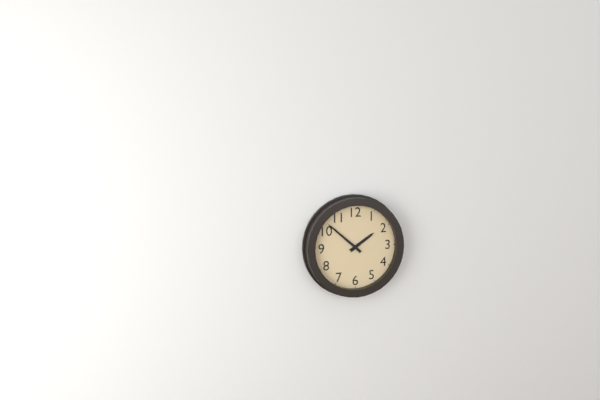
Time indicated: 1h52
